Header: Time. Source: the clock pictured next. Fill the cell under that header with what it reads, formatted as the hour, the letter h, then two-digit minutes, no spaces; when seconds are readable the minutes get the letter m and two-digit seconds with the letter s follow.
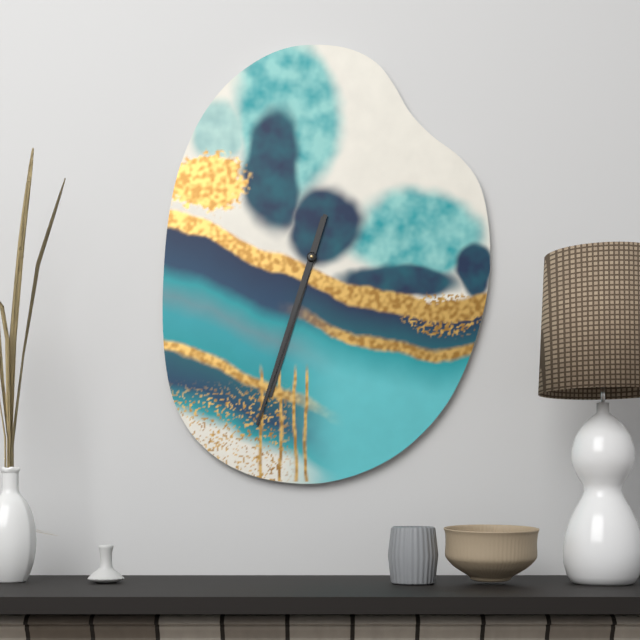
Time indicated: 6h33
